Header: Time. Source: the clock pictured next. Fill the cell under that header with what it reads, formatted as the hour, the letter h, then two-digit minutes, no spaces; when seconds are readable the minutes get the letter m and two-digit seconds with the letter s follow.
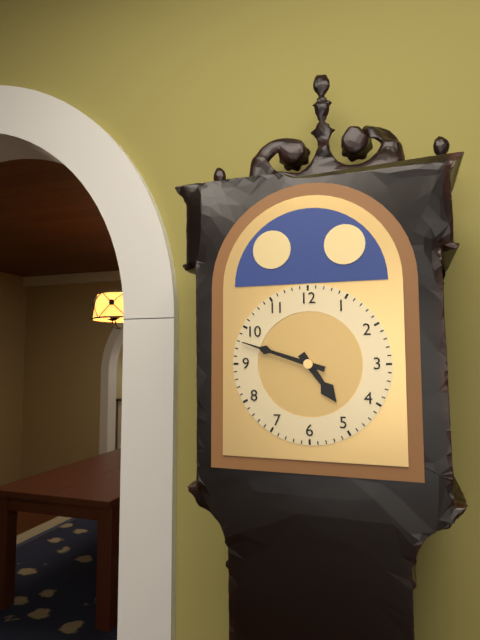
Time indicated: 4h48
